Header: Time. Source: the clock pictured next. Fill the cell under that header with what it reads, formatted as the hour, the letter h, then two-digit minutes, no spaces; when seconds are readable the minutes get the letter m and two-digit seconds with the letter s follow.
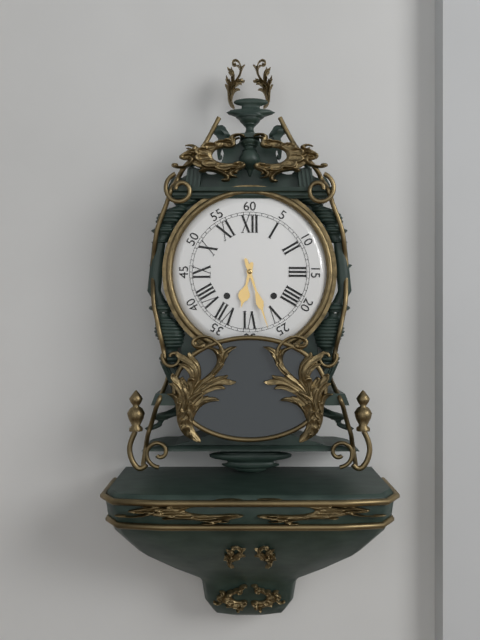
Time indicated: 6h27
